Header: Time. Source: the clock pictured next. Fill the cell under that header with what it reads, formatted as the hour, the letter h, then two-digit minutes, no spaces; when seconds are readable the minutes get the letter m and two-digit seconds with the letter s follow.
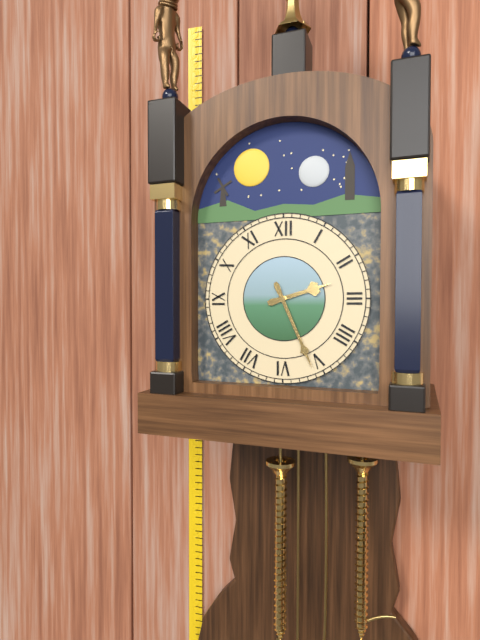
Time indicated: 2h26
